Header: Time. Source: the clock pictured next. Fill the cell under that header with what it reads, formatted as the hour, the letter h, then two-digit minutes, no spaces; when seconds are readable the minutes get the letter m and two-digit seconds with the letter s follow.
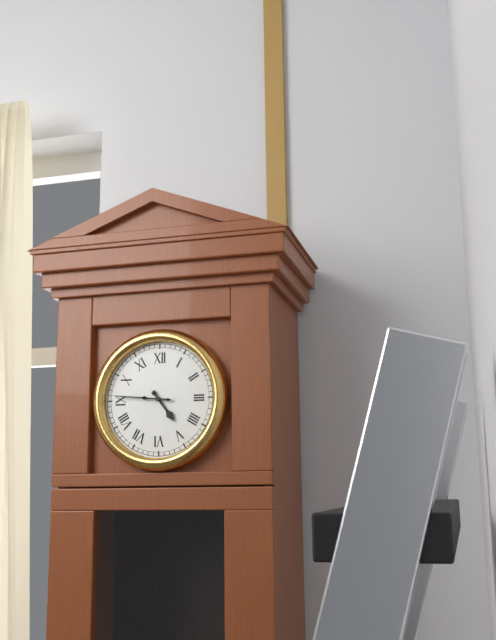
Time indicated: 4h46
